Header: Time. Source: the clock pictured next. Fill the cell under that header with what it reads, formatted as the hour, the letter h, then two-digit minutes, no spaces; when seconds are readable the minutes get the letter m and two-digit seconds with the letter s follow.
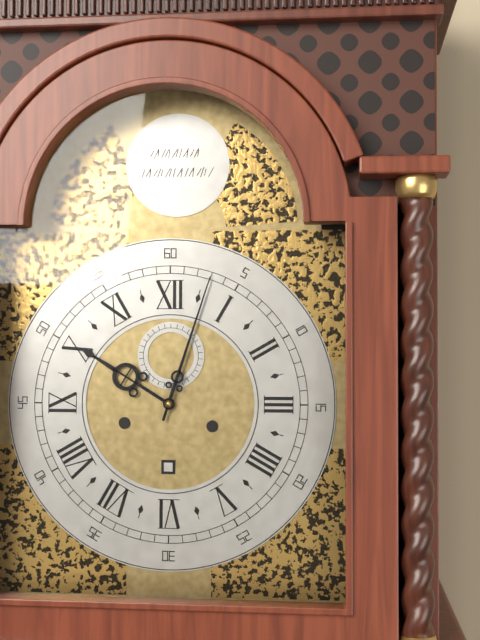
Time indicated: 10h03
